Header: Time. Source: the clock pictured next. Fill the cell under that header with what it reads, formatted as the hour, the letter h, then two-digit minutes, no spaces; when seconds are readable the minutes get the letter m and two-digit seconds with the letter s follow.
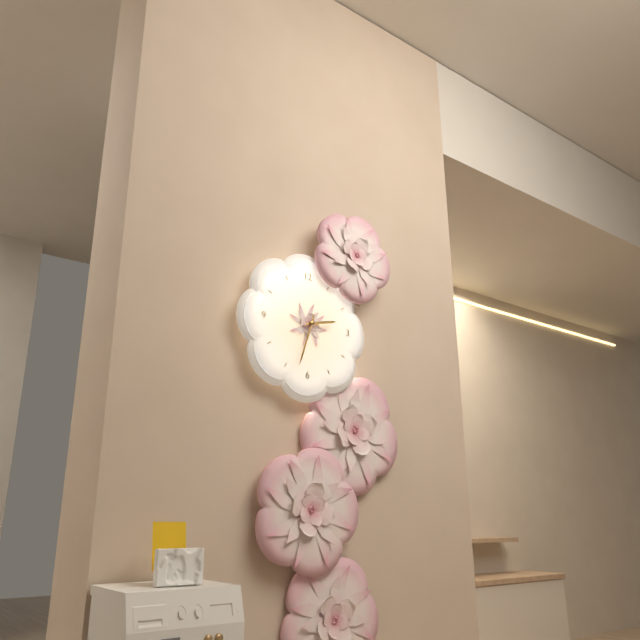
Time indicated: 2h33
